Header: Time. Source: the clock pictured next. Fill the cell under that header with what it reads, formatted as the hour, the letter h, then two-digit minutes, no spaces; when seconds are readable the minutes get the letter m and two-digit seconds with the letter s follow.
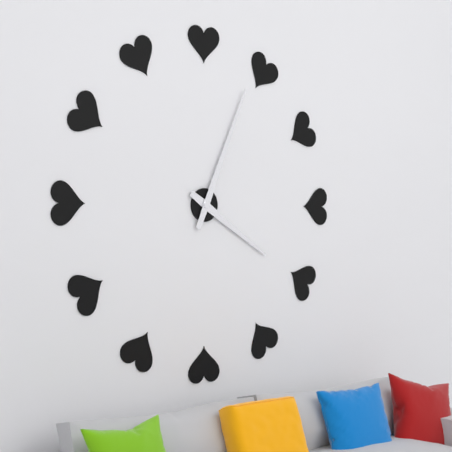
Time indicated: 4h04
